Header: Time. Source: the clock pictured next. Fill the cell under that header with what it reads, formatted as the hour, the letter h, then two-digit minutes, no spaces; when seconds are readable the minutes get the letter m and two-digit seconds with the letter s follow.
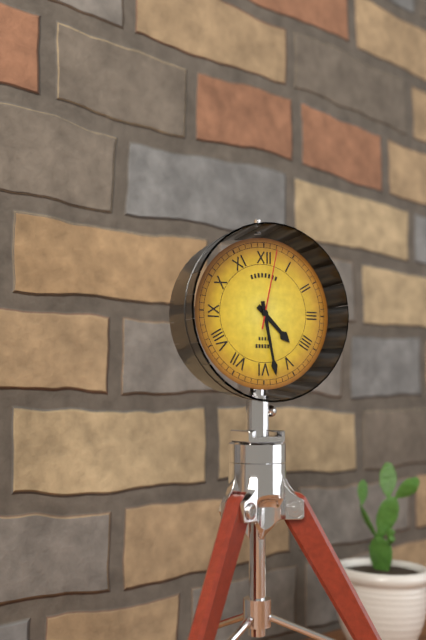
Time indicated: 4h28m02s
